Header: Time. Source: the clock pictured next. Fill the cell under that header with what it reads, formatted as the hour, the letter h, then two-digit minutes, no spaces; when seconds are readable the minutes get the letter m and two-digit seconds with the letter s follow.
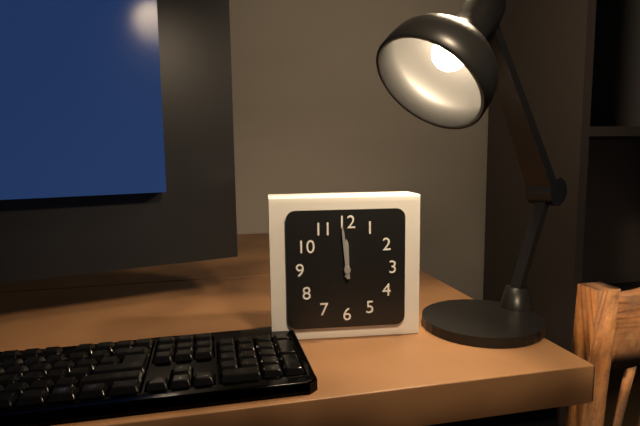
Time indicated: 11h59
